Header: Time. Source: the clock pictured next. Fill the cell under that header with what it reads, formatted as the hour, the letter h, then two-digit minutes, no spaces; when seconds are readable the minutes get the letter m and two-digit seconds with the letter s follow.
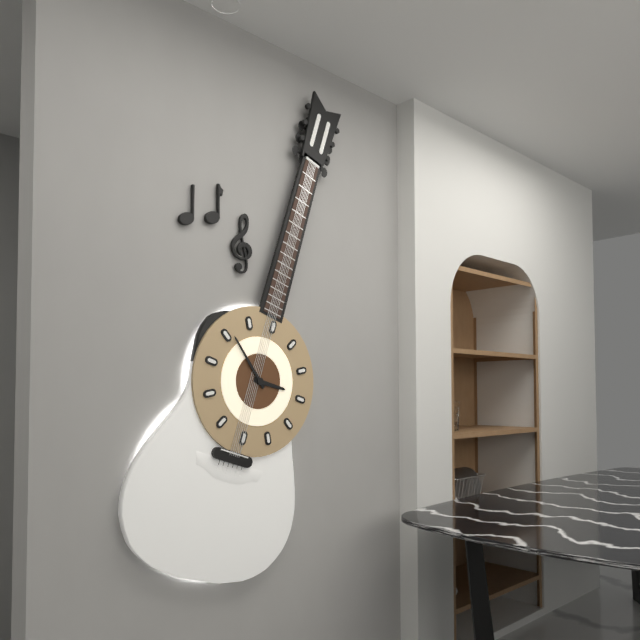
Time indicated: 2h51
